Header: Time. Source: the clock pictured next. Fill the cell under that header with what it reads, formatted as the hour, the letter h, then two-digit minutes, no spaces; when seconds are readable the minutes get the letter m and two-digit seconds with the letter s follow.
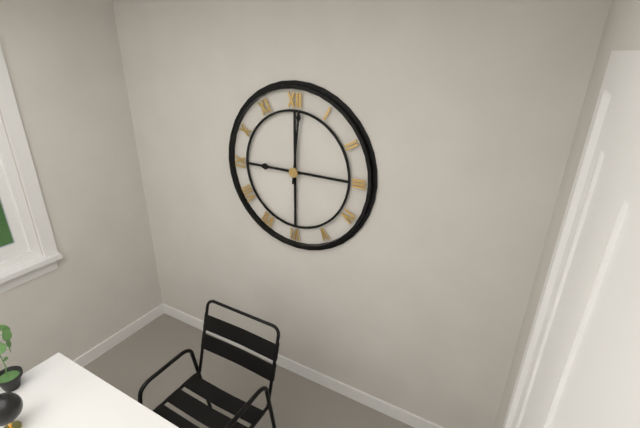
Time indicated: 9h01
